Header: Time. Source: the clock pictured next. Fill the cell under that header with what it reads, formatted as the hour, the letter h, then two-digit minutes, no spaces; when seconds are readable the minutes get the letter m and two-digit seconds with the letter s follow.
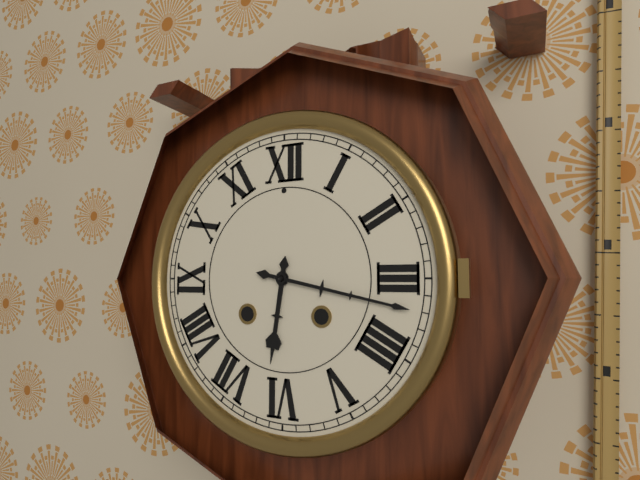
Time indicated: 6h17
